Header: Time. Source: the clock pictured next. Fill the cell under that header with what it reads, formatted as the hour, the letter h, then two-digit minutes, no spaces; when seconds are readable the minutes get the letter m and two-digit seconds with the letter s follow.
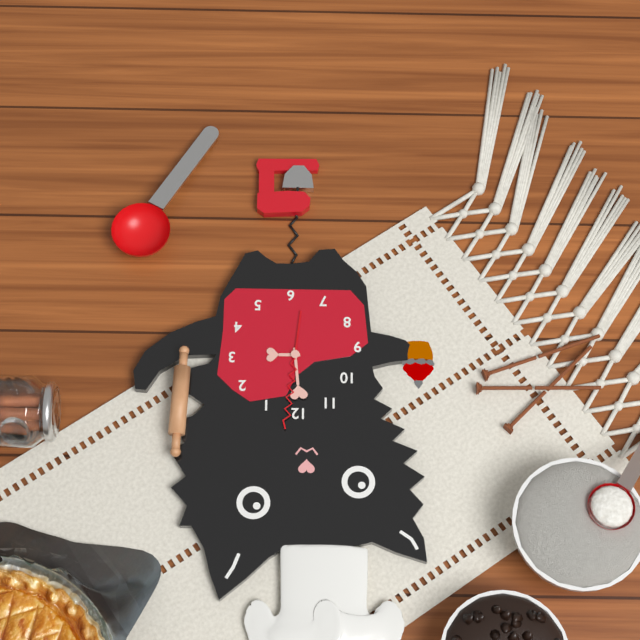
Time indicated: 2h59m01s
